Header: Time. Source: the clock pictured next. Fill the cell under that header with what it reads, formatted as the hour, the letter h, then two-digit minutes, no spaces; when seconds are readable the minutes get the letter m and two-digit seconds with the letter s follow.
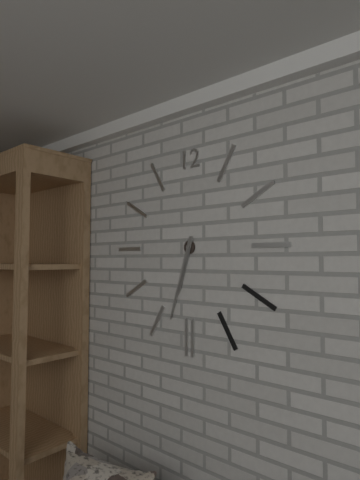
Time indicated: 6h33
